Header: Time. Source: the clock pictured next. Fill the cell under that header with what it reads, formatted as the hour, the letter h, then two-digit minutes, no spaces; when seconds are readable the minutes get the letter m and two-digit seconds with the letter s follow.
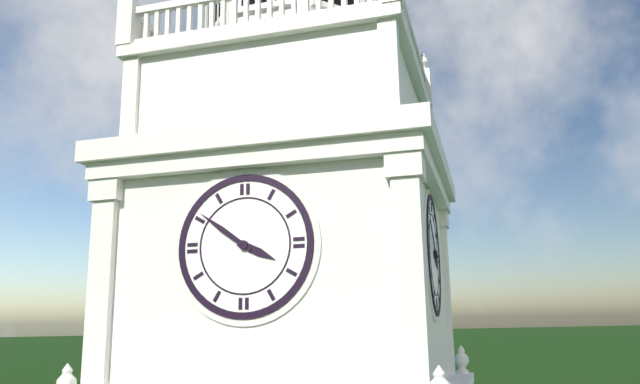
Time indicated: 3h51
